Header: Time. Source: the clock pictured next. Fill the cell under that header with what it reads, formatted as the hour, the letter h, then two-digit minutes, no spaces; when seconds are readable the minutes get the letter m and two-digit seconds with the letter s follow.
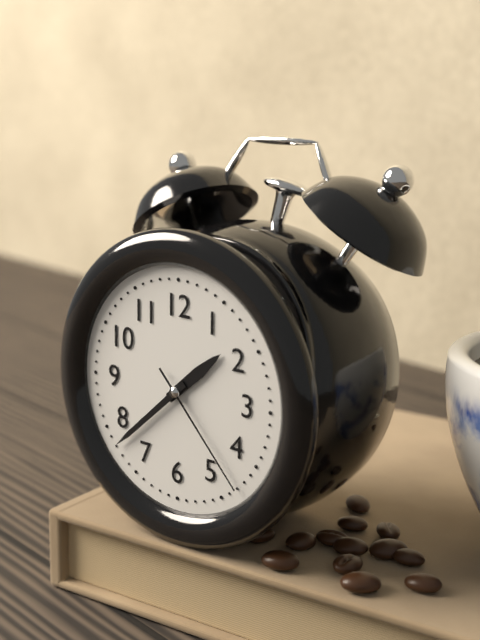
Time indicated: 1h38m23s
